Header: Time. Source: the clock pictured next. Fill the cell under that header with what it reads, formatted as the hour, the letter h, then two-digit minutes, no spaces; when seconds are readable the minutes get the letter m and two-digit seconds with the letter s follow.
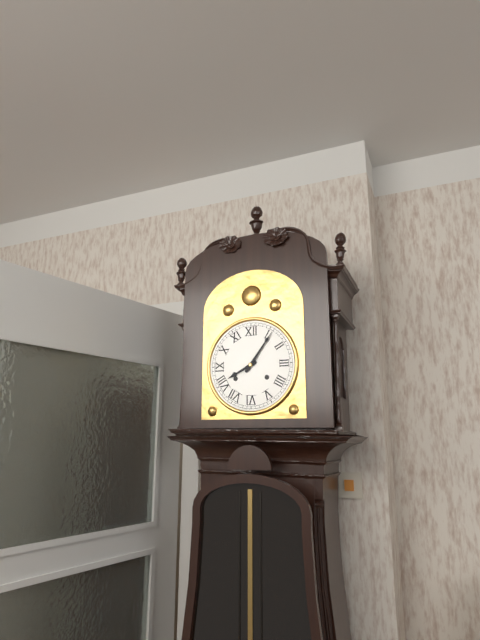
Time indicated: 8h06
